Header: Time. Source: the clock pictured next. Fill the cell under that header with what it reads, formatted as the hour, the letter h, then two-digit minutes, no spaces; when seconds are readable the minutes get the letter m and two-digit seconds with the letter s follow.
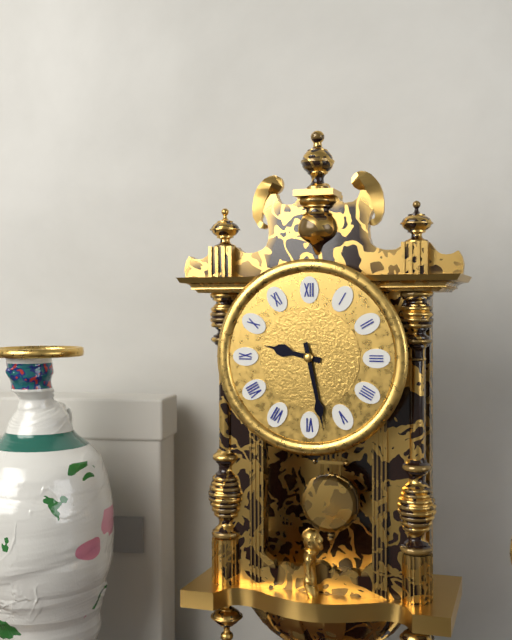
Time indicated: 9h28
